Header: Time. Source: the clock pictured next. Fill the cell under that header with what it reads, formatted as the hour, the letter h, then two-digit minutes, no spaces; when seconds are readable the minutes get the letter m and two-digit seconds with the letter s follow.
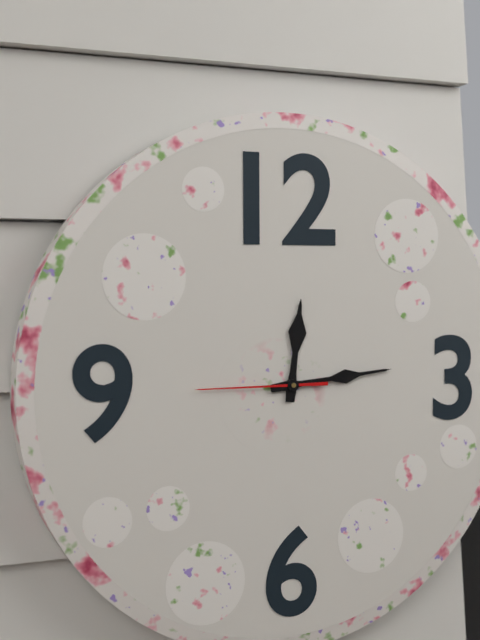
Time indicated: 12h14m45s
